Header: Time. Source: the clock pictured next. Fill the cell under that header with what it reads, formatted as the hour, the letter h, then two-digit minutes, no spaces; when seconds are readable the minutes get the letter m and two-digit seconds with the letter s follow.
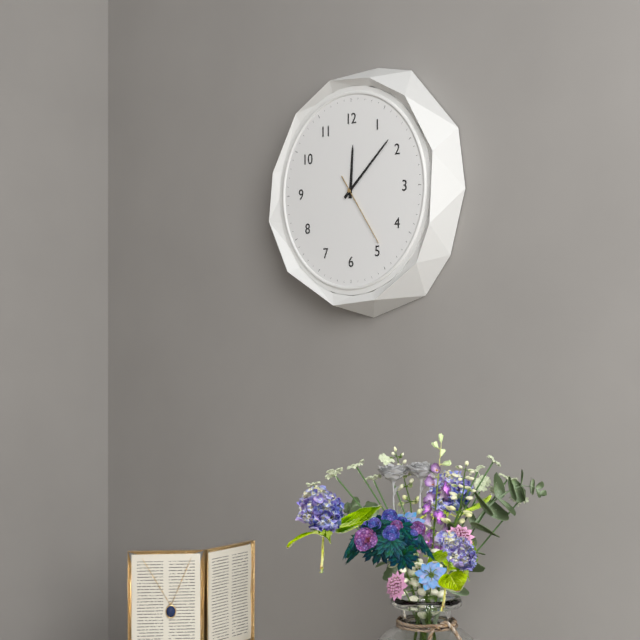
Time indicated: 12h08m24s
